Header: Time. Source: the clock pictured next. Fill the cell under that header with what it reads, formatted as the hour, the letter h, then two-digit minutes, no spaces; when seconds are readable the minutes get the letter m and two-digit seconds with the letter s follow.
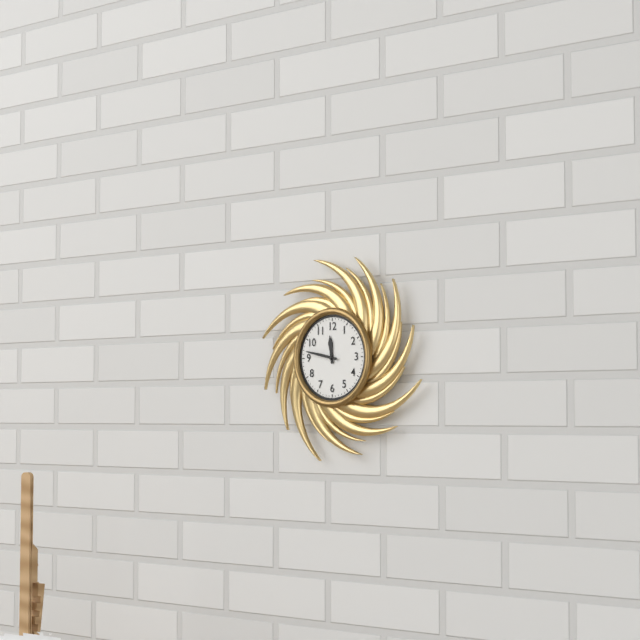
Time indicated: 11h47
